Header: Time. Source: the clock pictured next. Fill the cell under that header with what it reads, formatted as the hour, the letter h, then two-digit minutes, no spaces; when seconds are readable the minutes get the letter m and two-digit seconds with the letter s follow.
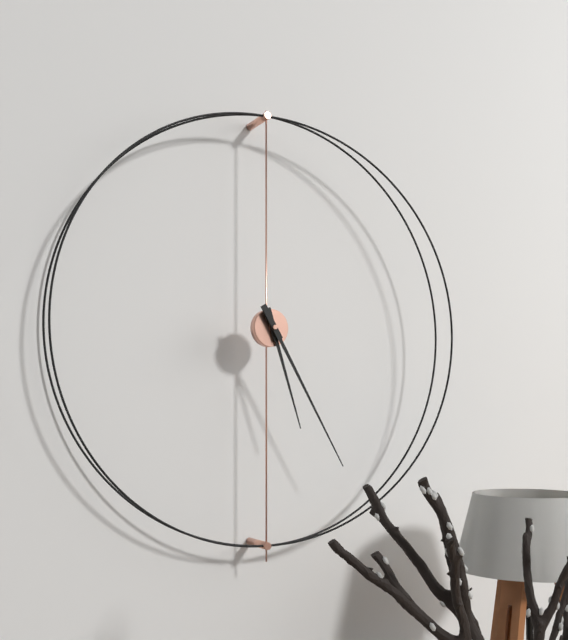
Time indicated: 5h25
